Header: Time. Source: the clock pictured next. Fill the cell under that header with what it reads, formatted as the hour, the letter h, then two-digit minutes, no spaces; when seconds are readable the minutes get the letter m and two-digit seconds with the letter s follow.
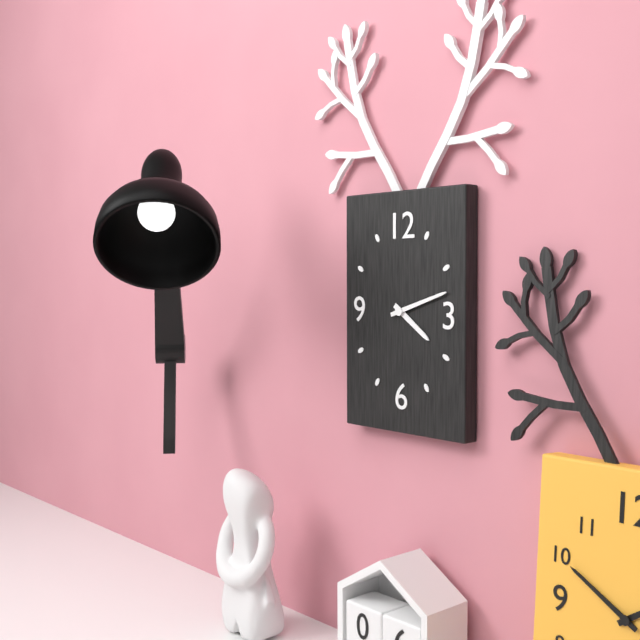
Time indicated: 4h12
